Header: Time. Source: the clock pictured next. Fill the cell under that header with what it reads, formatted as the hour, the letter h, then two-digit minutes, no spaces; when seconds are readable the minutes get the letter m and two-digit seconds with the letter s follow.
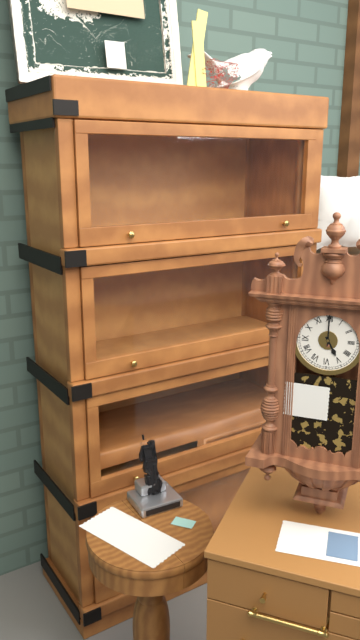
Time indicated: 5h00
